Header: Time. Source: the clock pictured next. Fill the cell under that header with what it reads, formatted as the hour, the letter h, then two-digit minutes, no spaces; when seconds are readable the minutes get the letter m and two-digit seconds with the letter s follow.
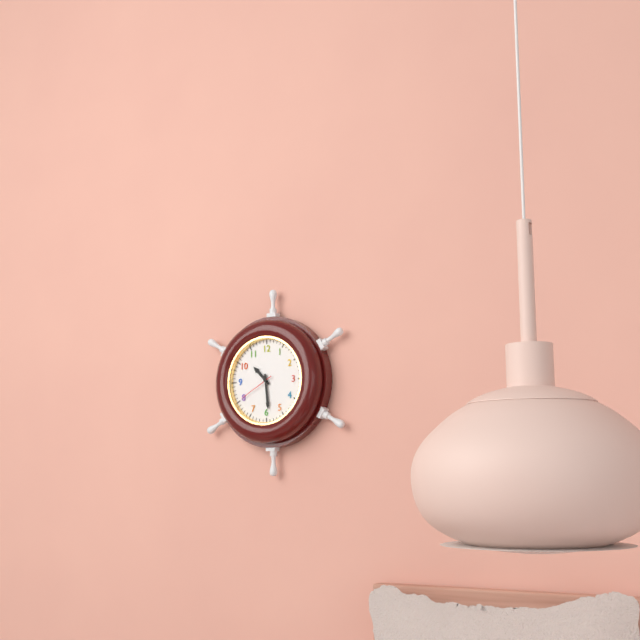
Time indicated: 10h29
